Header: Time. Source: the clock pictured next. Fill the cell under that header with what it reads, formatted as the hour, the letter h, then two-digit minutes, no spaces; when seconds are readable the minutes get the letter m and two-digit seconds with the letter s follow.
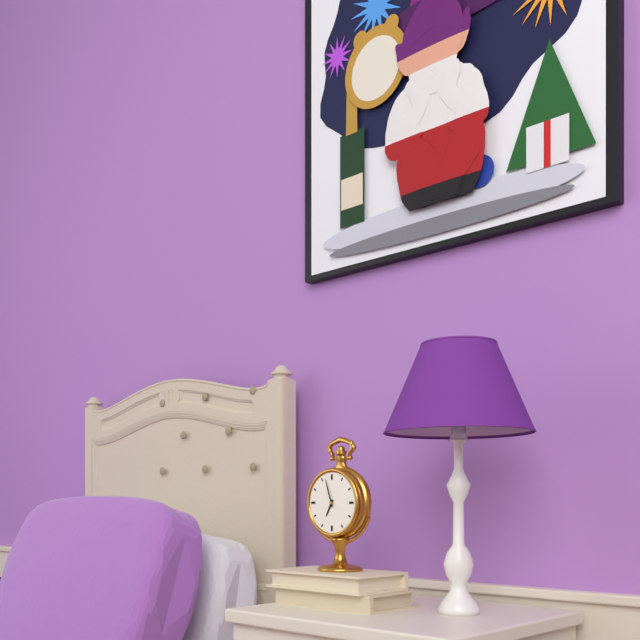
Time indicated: 6h57
